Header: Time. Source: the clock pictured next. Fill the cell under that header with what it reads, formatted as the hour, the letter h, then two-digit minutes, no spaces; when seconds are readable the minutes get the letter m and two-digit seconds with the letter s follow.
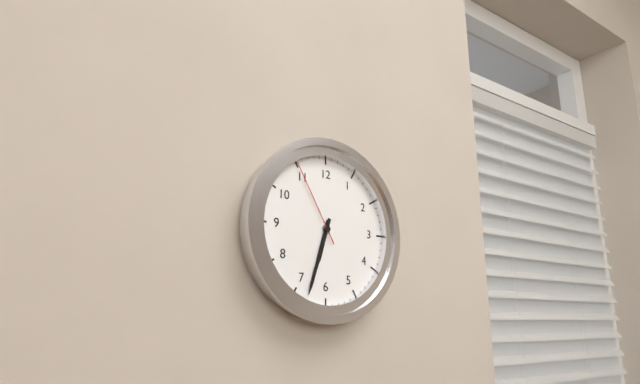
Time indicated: 6h33m55s
